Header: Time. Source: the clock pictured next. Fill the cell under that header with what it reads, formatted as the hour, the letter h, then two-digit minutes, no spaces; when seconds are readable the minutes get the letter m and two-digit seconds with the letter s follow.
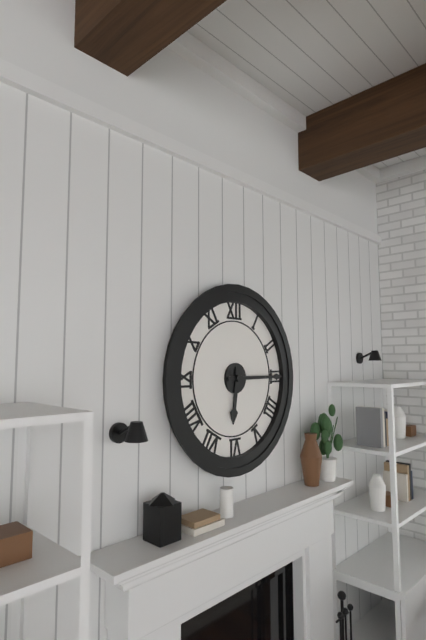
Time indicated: 6h15
